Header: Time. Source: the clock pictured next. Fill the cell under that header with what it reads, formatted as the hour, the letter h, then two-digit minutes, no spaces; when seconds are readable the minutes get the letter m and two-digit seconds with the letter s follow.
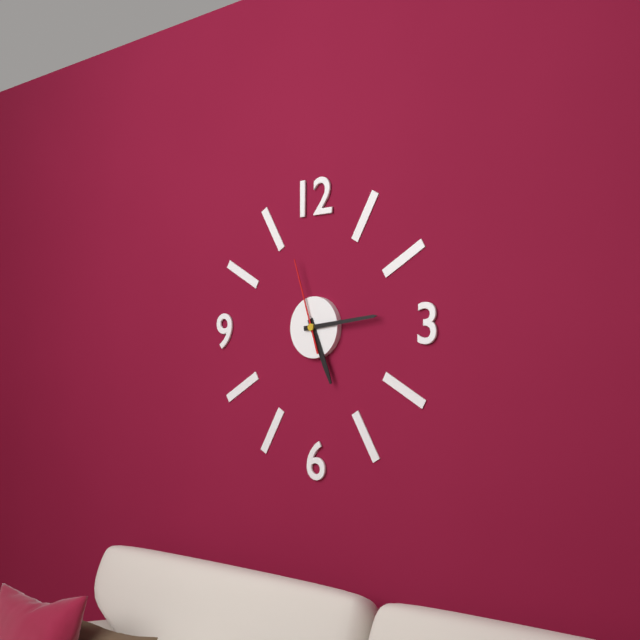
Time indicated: 5h14m57s
